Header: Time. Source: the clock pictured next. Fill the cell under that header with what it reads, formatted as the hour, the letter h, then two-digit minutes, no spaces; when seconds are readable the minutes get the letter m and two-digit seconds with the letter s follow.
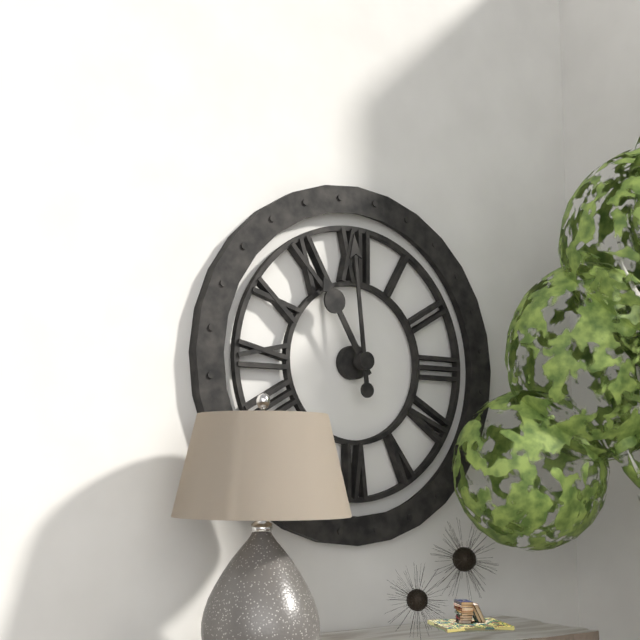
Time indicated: 10h59
